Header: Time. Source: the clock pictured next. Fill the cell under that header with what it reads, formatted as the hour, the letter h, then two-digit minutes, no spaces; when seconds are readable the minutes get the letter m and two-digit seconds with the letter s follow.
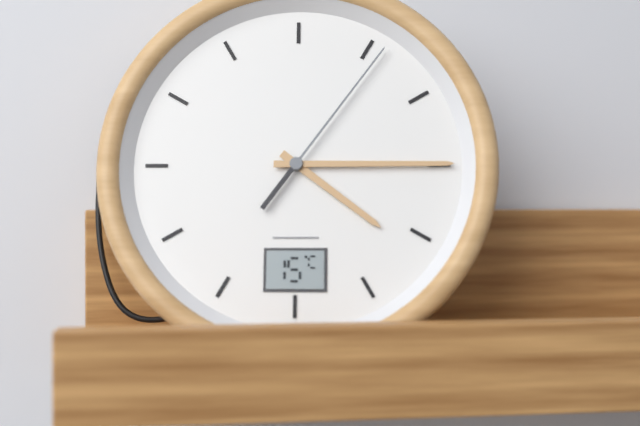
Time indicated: 4h15m06s
